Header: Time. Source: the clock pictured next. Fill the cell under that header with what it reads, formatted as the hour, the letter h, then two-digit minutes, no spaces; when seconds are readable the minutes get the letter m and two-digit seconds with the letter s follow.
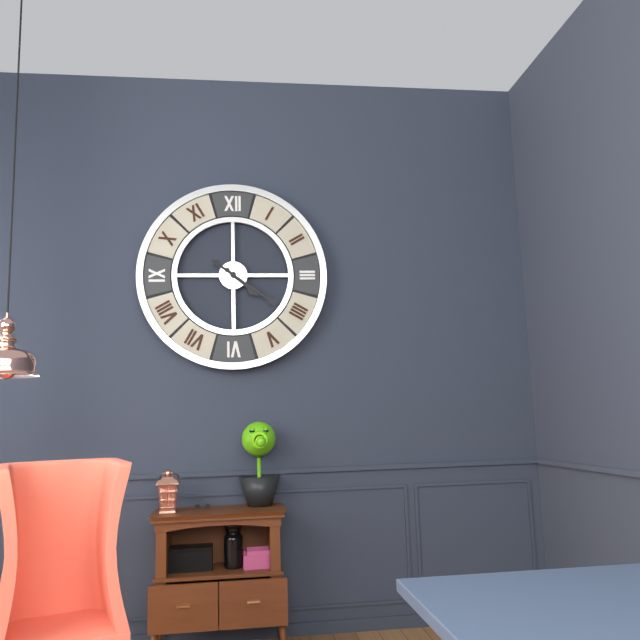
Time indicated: 4h21
